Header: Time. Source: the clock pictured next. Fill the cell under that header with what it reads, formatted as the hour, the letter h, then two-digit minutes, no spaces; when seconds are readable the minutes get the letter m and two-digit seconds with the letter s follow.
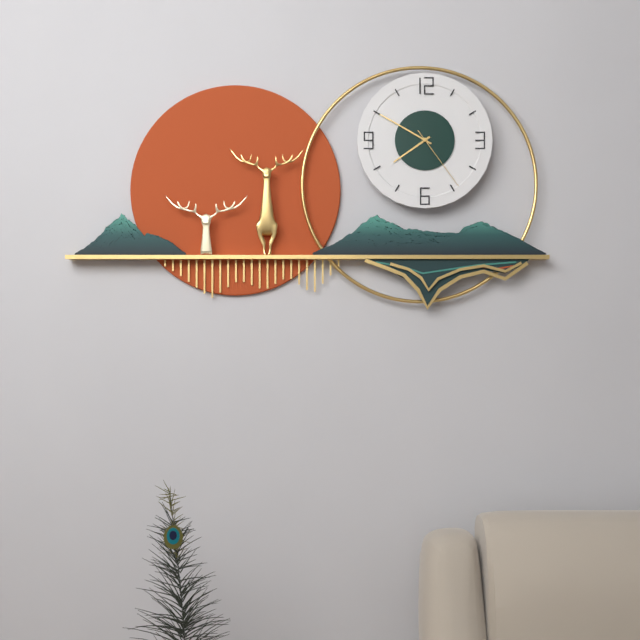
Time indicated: 7h50m24s
